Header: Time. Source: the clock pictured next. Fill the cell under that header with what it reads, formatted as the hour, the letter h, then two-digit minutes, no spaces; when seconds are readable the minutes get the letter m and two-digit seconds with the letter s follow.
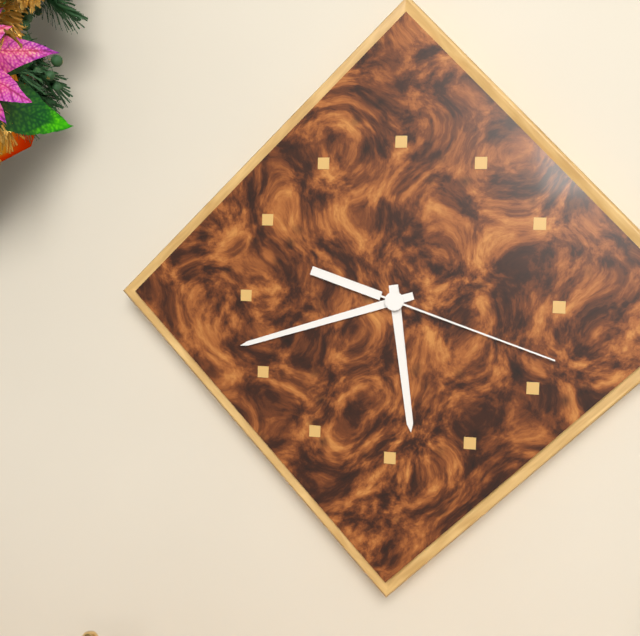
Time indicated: 5h42m18s
